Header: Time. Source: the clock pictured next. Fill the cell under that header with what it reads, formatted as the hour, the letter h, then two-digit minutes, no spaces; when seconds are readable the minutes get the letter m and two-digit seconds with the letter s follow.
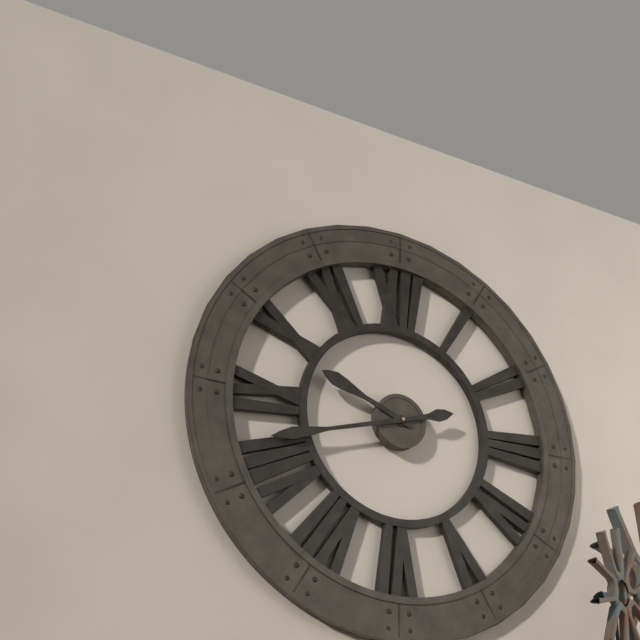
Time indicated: 9h42
